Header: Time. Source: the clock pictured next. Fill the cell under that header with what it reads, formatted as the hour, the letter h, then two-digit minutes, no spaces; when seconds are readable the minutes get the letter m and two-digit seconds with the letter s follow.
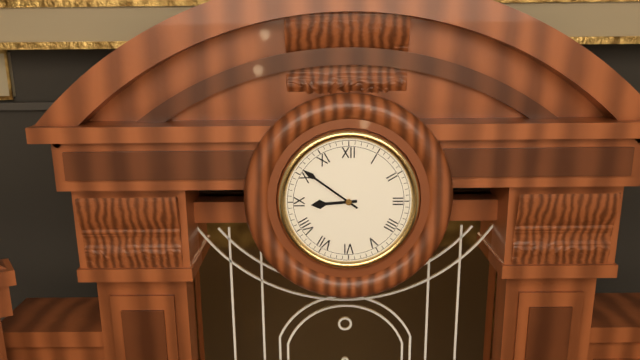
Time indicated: 8h51
